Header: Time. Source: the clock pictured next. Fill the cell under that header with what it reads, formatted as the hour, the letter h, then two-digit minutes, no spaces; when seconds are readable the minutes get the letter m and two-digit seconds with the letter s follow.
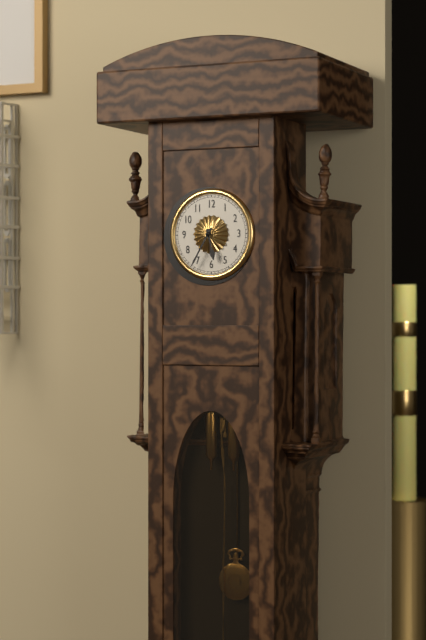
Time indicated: 5h35
